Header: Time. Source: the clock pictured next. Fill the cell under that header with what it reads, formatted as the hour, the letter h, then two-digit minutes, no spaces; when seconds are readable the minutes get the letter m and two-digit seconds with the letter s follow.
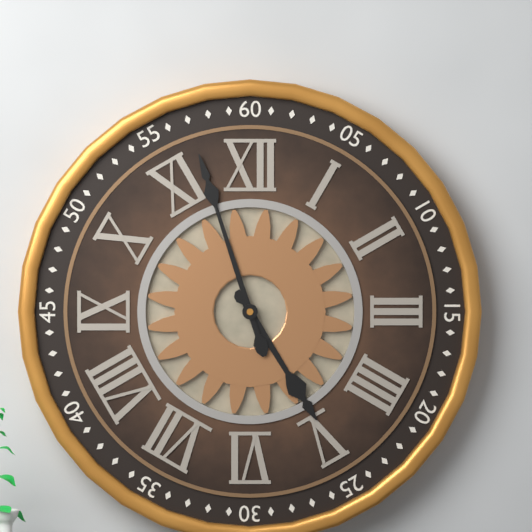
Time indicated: 4h57
